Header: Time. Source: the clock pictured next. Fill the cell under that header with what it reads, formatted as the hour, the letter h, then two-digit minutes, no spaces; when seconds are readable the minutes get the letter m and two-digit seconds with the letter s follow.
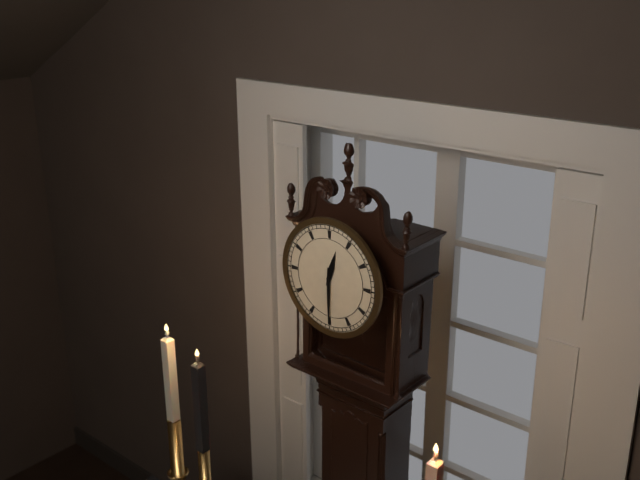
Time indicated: 12h30
